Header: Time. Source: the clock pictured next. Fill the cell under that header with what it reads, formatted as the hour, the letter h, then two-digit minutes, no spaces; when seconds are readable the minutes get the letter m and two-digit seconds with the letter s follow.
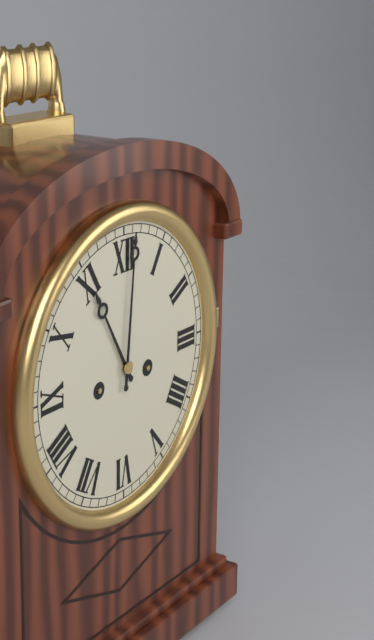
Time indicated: 11h01
